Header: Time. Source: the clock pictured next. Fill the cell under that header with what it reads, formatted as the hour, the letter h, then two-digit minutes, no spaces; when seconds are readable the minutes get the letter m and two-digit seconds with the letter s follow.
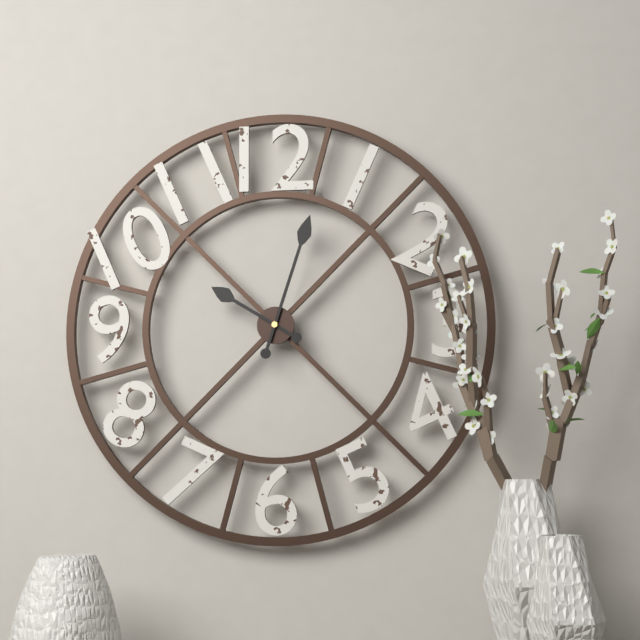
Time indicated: 10h03
